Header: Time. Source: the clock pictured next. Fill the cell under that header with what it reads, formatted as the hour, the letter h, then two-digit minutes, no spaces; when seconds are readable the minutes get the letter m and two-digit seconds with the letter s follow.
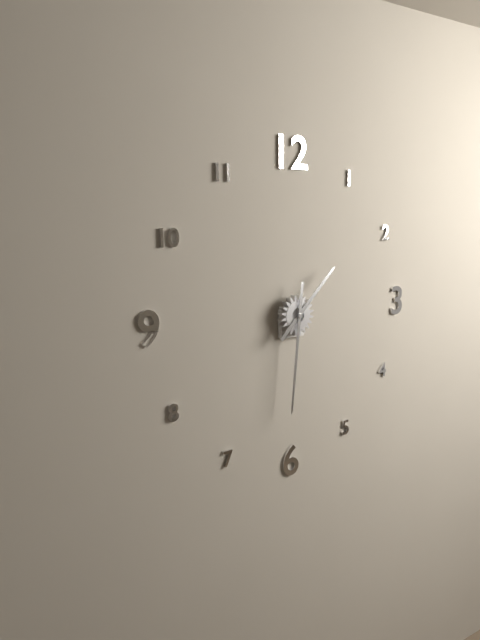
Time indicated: 1h31
